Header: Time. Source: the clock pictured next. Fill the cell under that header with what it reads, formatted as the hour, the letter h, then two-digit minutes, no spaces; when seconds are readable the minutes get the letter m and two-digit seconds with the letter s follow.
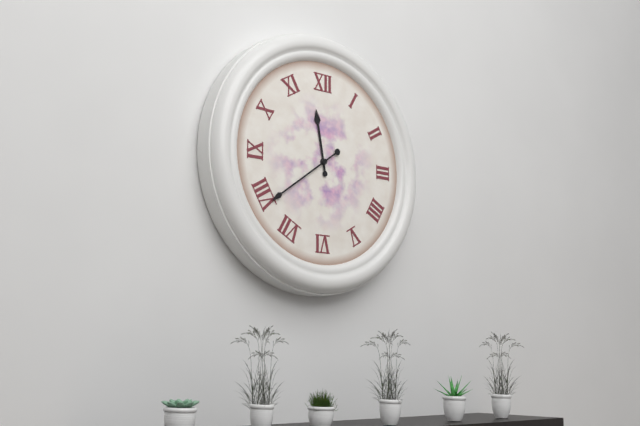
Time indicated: 11h39
